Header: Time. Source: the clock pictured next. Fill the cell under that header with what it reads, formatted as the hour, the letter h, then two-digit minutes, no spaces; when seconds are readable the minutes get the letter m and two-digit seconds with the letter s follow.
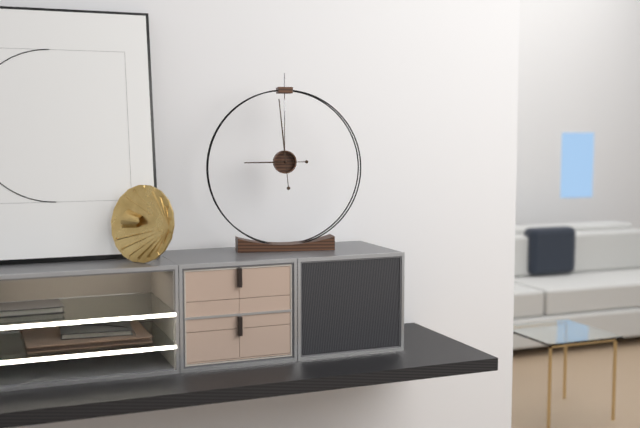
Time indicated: 8h59
